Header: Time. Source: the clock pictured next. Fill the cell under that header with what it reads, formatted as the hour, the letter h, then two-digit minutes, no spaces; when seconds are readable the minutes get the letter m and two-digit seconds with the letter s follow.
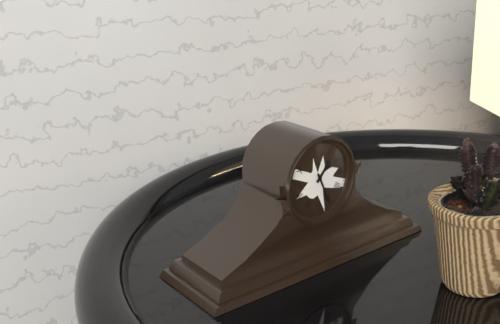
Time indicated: 1h26
